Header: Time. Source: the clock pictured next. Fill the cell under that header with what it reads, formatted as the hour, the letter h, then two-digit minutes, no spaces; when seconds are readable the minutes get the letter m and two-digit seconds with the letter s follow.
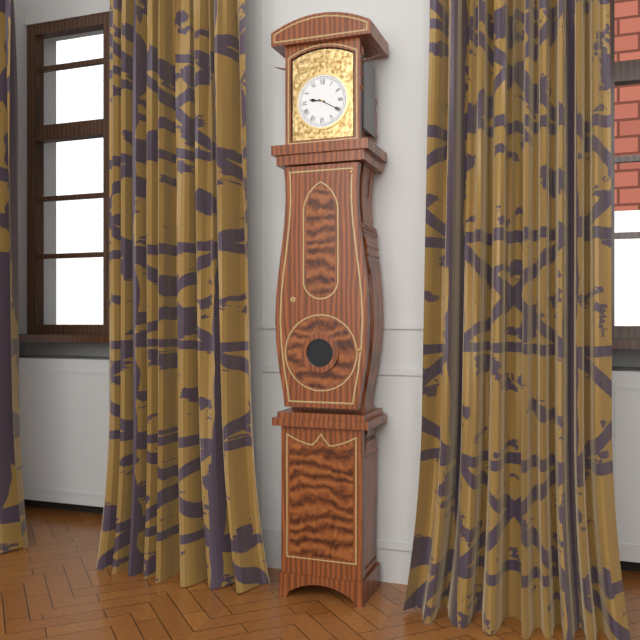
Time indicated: 9h20
